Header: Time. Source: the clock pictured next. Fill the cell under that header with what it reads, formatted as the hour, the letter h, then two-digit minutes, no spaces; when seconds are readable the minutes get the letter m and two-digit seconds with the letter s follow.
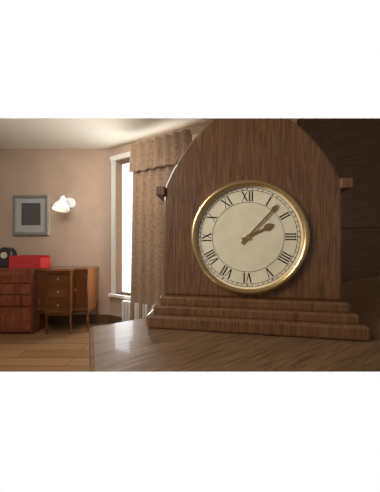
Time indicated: 2h07
